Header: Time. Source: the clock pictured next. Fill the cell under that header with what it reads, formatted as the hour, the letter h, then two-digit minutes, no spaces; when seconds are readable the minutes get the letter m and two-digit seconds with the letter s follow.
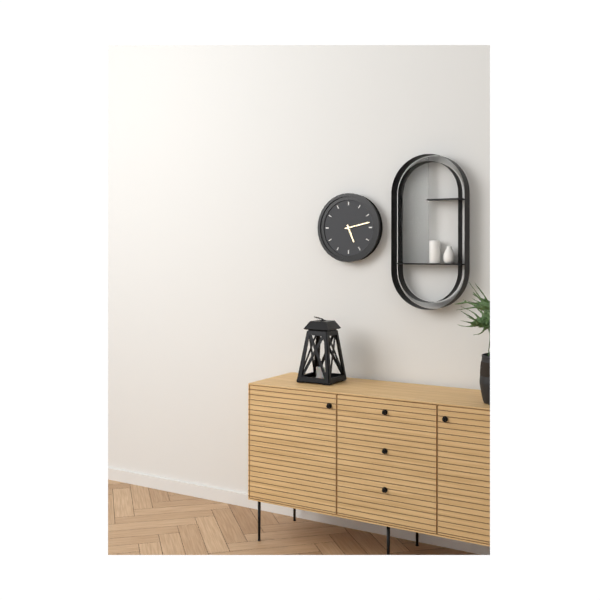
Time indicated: 5h13
